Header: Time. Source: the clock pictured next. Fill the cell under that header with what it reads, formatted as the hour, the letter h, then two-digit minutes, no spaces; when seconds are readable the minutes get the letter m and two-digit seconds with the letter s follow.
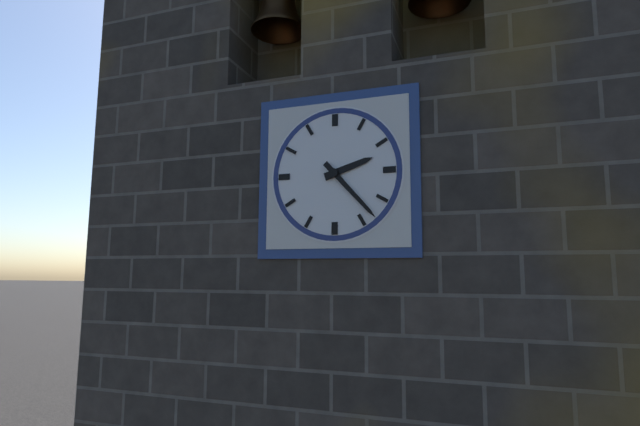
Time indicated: 2h23
